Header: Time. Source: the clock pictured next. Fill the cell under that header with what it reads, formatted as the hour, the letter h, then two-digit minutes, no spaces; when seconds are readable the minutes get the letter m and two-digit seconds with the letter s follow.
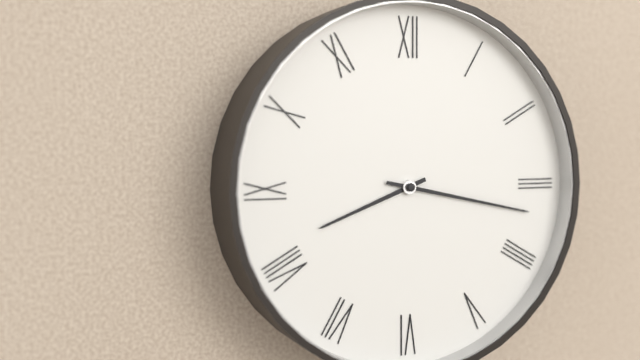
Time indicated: 8h17
